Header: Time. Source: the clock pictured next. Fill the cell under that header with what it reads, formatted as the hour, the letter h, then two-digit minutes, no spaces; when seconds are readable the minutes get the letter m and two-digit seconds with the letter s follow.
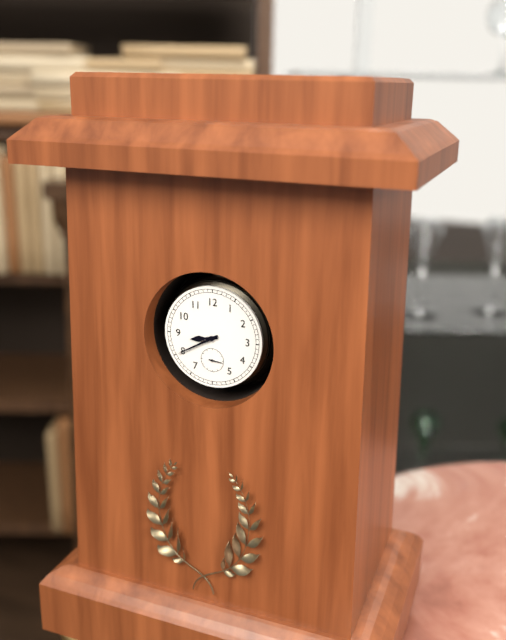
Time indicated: 8h40
